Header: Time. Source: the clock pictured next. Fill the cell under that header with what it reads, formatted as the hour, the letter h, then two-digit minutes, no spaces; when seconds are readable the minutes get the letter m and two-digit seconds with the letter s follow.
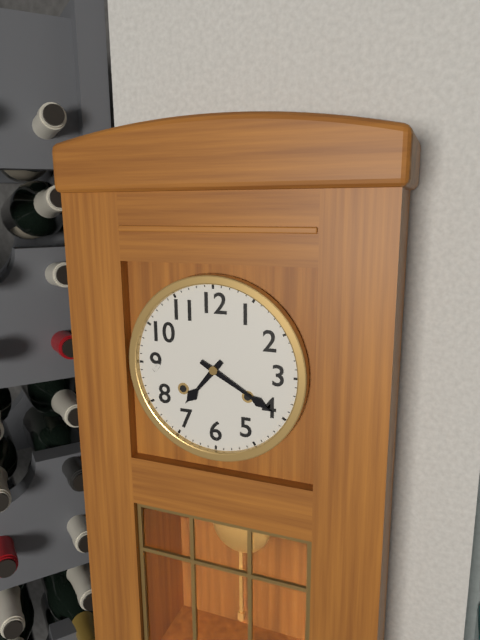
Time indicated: 7h20
